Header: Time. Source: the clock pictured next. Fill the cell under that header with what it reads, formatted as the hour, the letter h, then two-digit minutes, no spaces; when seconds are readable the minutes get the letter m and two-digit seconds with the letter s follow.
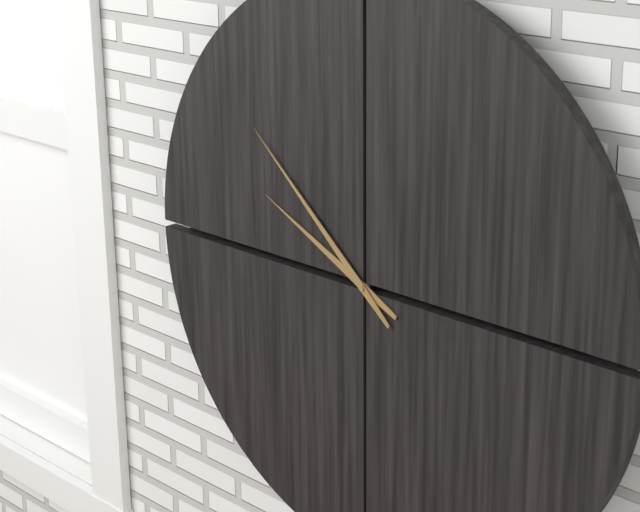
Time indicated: 9h52
